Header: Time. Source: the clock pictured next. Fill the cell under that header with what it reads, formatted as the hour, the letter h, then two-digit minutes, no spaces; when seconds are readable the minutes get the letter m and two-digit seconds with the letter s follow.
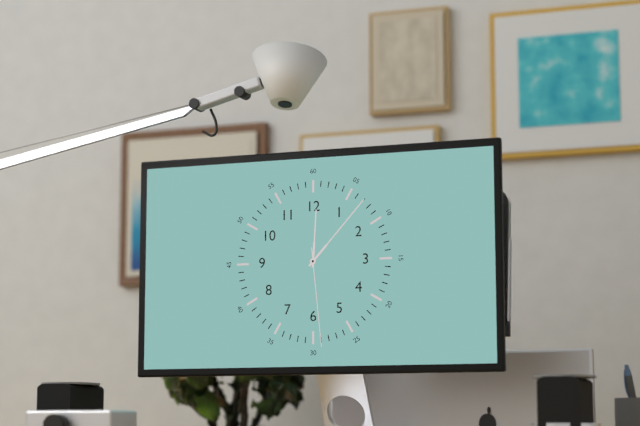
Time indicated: 12h07m29s
